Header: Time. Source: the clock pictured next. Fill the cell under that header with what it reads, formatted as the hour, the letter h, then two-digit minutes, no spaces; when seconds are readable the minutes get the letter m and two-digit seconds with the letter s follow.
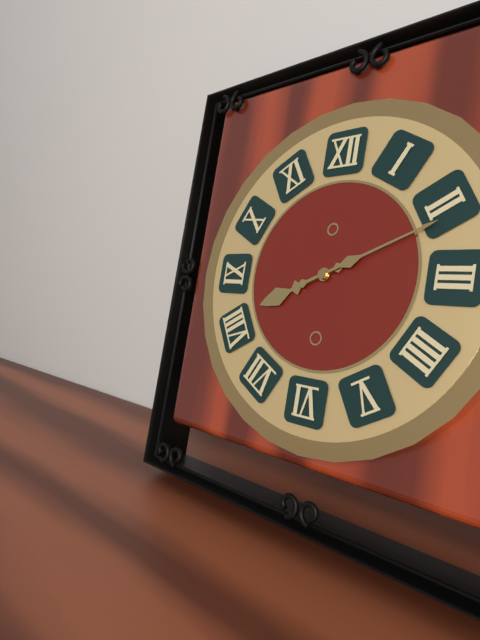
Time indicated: 8h11
